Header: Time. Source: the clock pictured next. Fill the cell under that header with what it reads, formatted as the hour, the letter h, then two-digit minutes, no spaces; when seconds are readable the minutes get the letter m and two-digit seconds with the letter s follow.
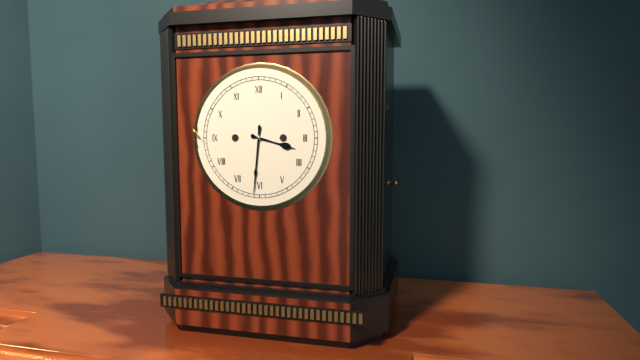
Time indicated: 3h31
